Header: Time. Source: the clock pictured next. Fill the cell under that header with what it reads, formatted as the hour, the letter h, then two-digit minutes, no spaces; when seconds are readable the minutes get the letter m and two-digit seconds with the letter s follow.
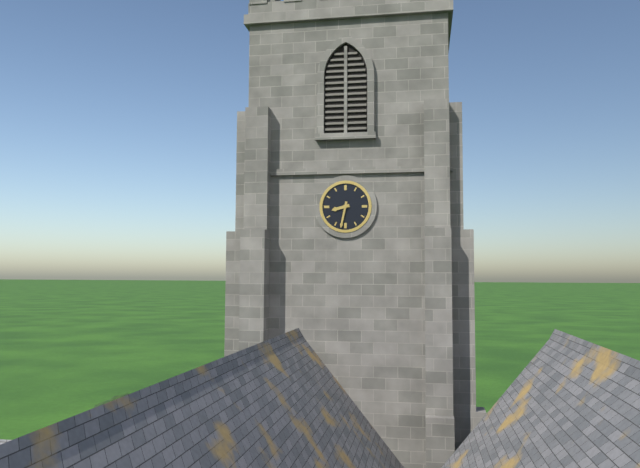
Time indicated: 8h32
